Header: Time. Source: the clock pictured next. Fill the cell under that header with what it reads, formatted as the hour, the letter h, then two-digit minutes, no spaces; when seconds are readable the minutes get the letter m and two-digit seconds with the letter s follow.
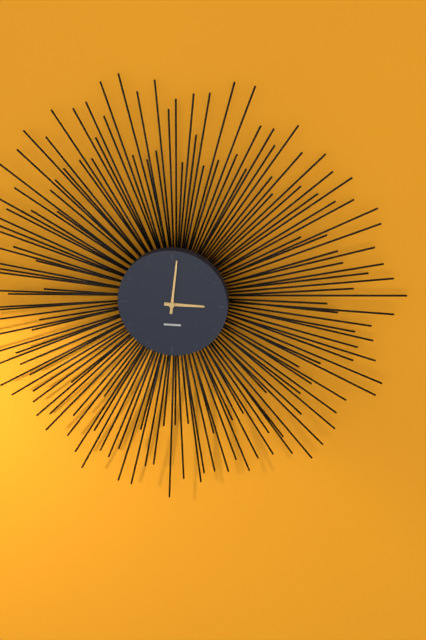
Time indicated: 3h01
